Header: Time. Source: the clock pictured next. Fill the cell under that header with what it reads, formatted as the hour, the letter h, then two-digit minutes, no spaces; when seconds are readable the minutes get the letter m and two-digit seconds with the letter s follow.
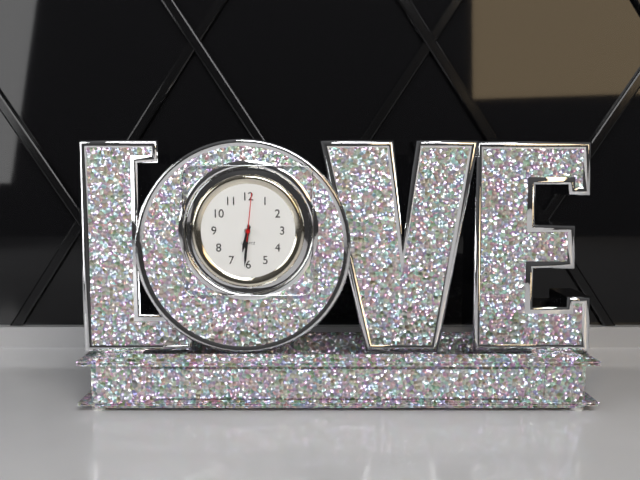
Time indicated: 6h31
